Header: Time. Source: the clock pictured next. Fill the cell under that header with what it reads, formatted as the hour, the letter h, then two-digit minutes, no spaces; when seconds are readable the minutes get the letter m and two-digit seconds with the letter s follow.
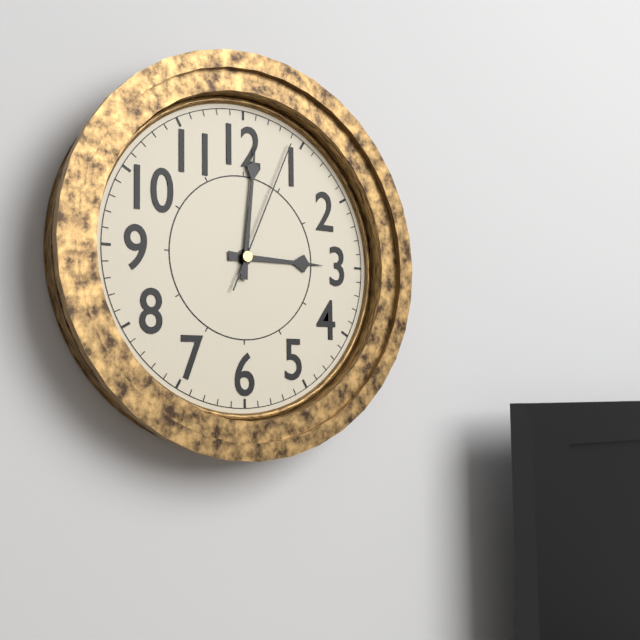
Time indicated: 3h01m04s
